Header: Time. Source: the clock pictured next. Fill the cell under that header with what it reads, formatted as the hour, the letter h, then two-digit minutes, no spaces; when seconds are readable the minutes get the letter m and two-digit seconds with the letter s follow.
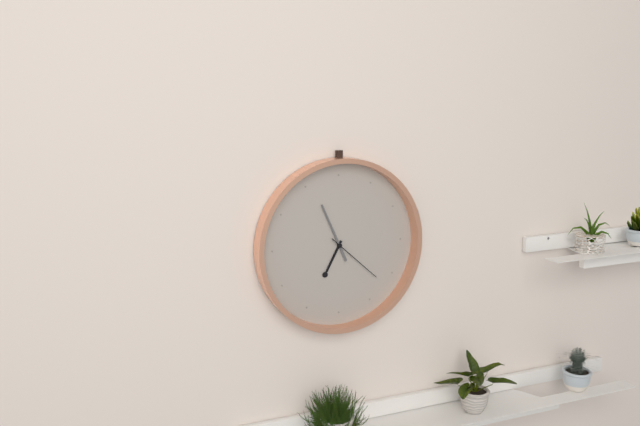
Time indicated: 6h56m22s
